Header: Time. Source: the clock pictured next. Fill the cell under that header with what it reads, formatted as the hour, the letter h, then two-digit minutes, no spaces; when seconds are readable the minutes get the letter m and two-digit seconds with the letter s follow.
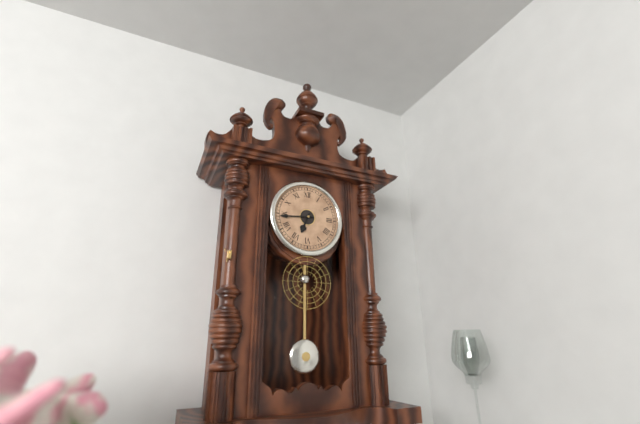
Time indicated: 6h44
